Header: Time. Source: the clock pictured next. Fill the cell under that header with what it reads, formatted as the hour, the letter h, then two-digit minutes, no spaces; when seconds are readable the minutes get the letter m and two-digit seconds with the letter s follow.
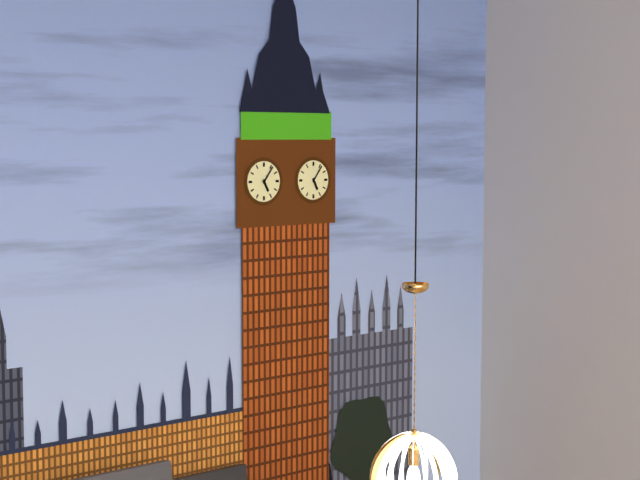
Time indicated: 5h06
